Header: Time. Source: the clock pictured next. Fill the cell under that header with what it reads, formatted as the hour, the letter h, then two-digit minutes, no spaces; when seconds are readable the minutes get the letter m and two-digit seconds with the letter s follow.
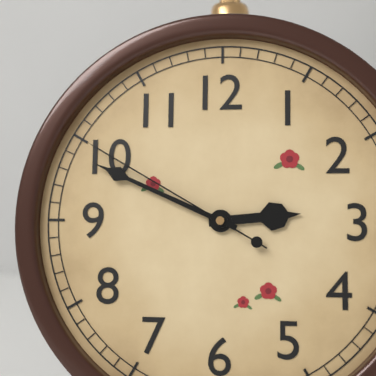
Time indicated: 2h49m50s
